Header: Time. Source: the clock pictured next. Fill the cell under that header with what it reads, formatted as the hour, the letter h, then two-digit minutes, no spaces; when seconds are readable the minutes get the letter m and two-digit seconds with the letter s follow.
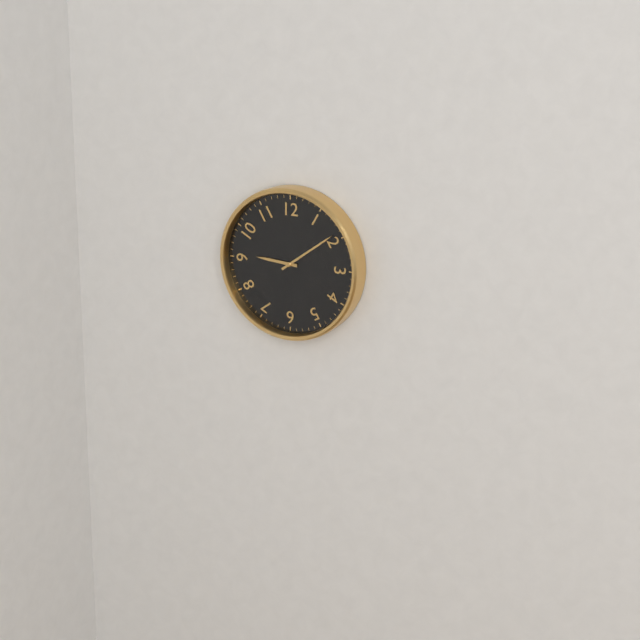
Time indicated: 9h09
